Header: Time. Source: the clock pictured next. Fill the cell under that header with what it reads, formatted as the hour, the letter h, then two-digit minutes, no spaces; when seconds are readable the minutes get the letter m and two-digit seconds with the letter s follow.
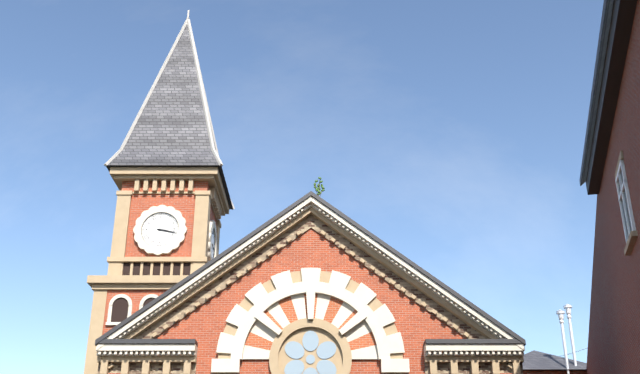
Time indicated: 3h17
